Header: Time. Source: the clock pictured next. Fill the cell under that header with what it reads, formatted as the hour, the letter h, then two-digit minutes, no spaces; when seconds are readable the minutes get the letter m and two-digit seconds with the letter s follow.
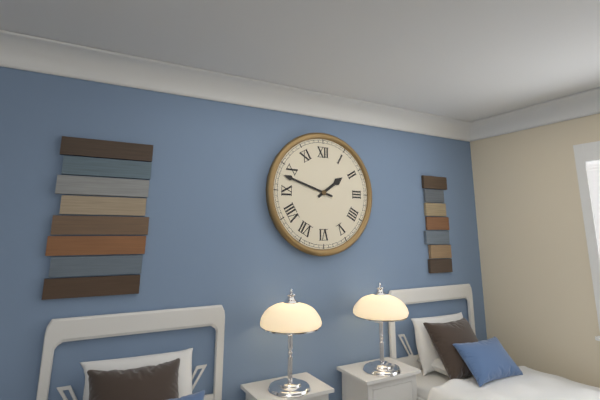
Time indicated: 1h48
